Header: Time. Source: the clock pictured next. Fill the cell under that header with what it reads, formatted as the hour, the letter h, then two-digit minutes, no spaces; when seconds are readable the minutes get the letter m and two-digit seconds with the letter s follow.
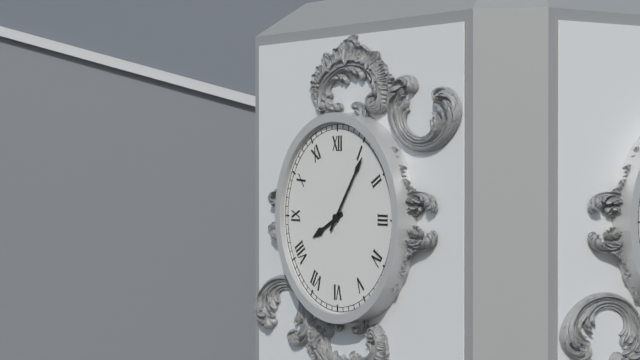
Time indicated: 8h06
